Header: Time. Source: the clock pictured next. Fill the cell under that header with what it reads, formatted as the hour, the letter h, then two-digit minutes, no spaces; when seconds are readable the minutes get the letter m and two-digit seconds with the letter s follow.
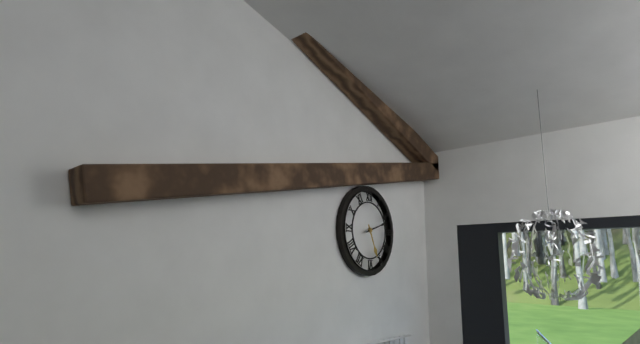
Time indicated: 5h12
